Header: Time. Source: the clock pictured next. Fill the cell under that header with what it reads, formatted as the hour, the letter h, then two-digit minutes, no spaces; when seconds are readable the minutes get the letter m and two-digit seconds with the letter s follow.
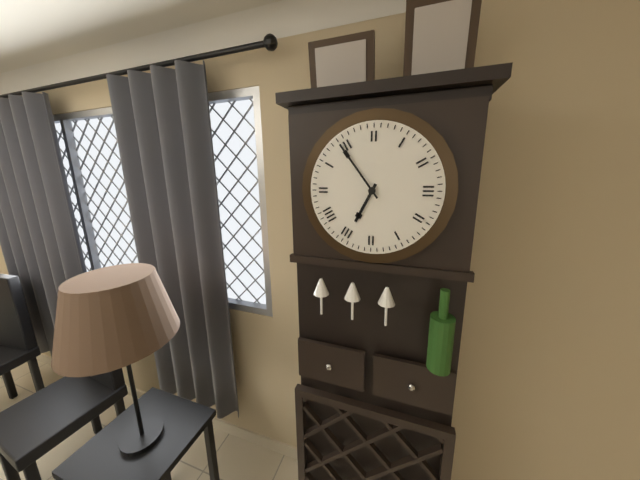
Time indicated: 6h54
